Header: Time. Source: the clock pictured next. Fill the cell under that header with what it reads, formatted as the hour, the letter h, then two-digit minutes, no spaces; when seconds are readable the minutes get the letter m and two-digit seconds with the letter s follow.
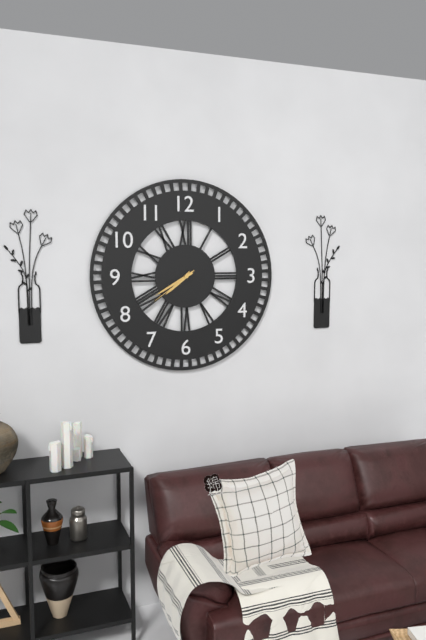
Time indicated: 7h40
